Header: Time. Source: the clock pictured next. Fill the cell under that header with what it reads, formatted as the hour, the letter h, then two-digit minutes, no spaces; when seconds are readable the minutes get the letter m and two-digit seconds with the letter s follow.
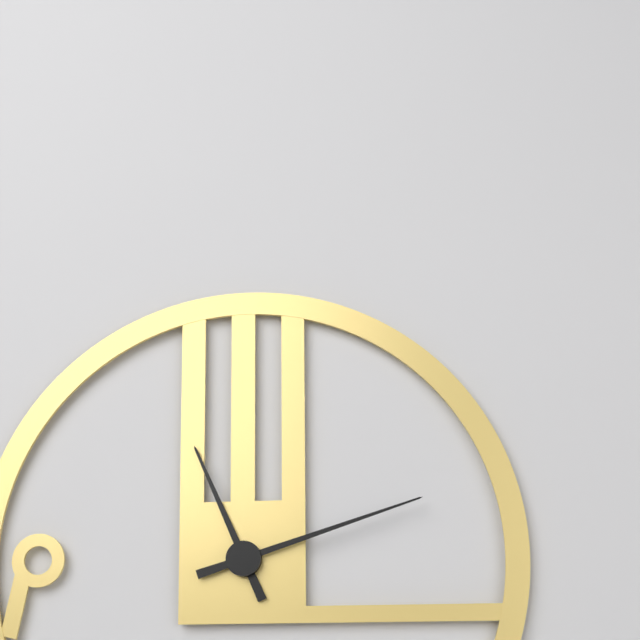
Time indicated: 11h12
